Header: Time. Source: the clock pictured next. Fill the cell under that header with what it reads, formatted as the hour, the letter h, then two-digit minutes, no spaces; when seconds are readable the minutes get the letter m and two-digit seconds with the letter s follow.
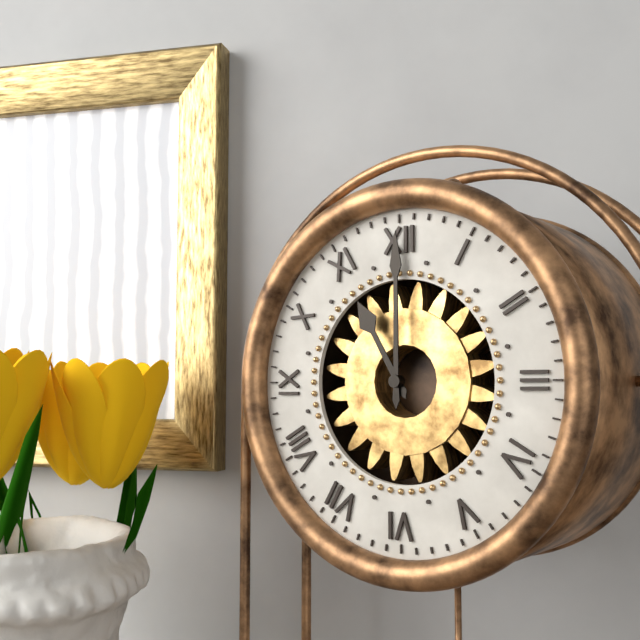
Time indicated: 11h00
